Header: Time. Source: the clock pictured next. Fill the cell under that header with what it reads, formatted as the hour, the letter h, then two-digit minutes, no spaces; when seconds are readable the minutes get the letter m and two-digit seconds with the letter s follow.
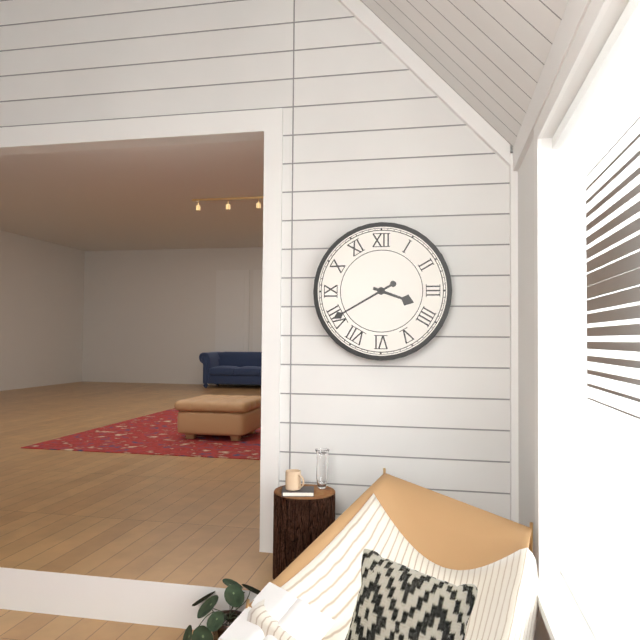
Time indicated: 3h40
